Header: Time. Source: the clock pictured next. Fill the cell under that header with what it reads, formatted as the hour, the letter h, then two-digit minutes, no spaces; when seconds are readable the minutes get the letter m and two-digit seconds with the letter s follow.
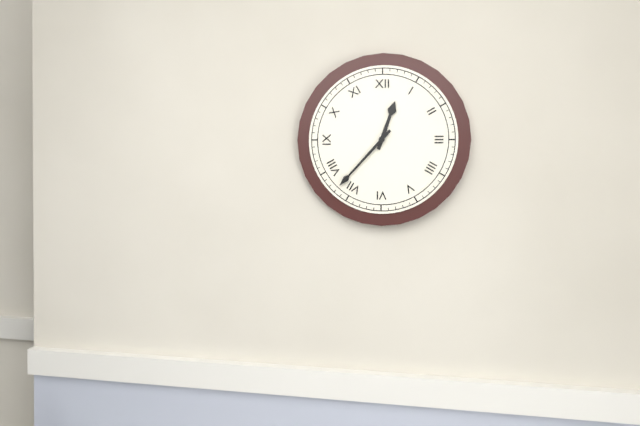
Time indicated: 12h37
